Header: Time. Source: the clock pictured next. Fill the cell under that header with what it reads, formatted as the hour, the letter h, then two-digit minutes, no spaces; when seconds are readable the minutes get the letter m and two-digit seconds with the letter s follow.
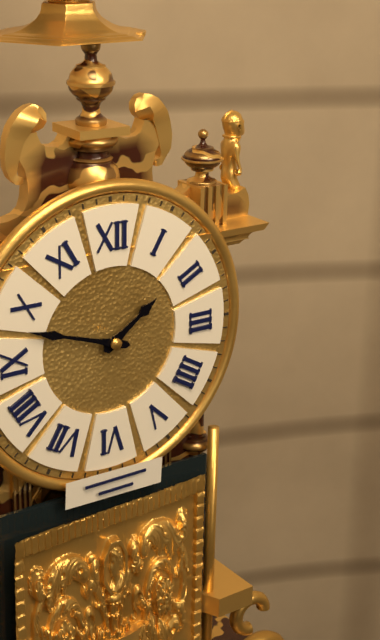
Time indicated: 1h48
